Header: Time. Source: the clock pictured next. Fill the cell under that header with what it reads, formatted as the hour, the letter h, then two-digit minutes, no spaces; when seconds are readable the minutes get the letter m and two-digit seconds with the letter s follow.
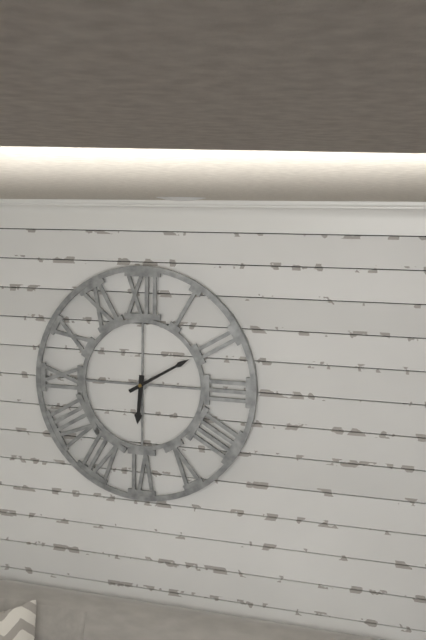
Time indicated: 6h10
